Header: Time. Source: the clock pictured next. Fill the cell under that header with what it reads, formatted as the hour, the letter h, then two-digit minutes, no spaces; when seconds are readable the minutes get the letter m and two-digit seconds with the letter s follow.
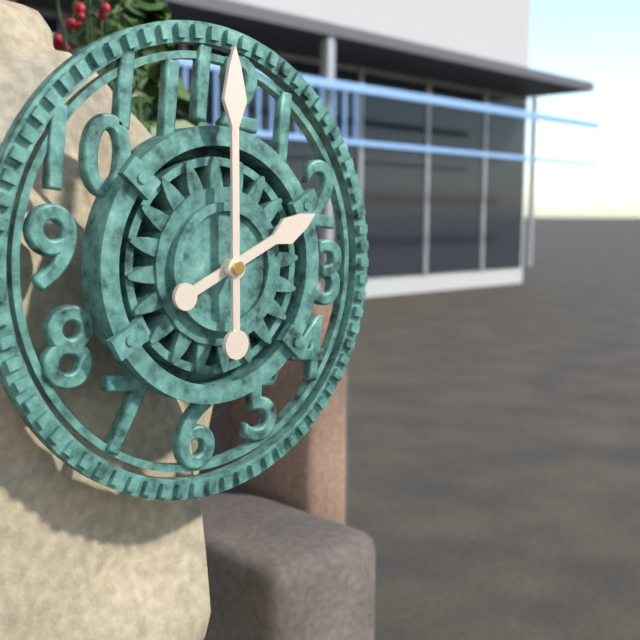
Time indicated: 1h59
